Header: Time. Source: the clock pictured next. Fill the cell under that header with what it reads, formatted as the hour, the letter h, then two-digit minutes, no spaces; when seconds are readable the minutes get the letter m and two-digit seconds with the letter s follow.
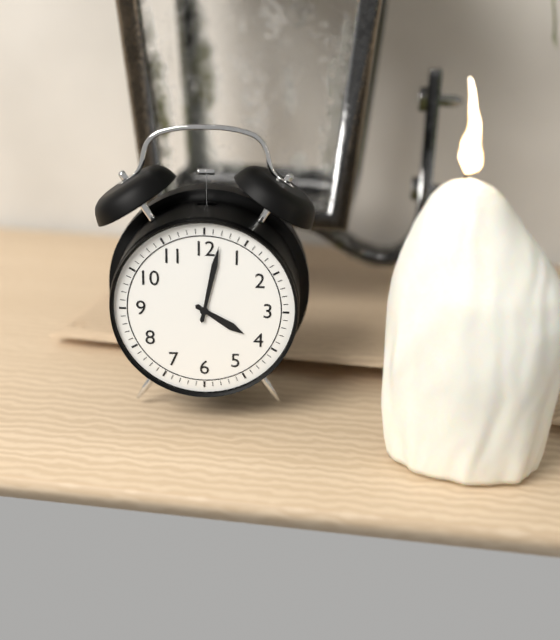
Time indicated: 4h02
